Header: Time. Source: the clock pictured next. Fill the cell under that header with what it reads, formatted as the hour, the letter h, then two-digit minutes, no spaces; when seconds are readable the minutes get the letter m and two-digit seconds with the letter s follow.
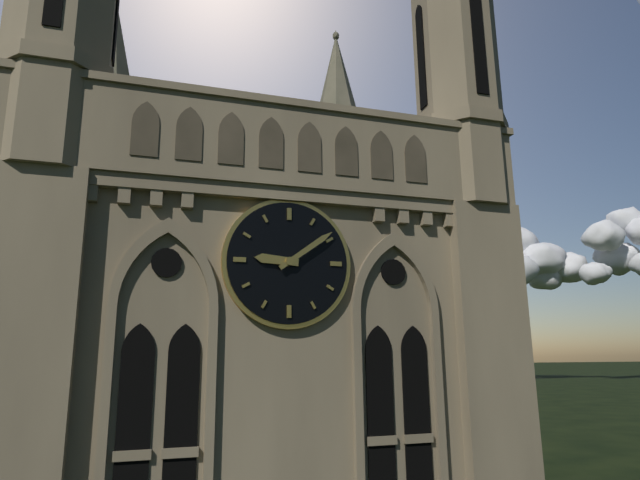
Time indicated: 9h09
